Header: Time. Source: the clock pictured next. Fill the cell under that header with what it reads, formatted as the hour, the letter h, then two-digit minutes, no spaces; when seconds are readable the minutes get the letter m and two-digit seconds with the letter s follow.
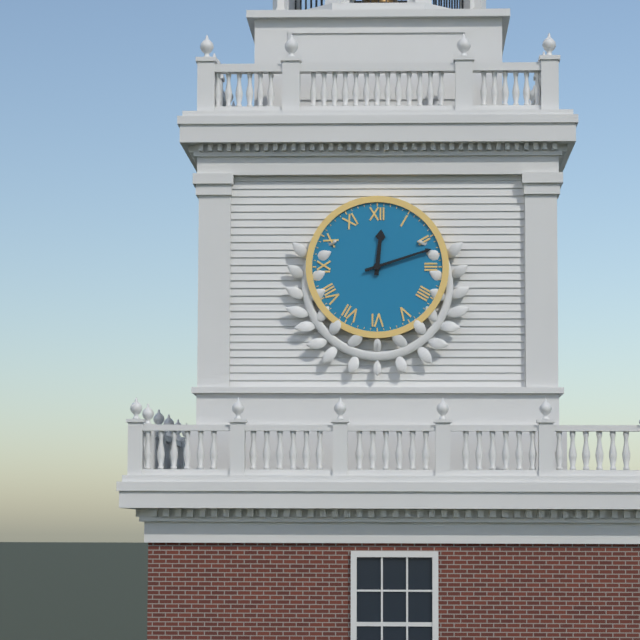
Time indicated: 12h12
